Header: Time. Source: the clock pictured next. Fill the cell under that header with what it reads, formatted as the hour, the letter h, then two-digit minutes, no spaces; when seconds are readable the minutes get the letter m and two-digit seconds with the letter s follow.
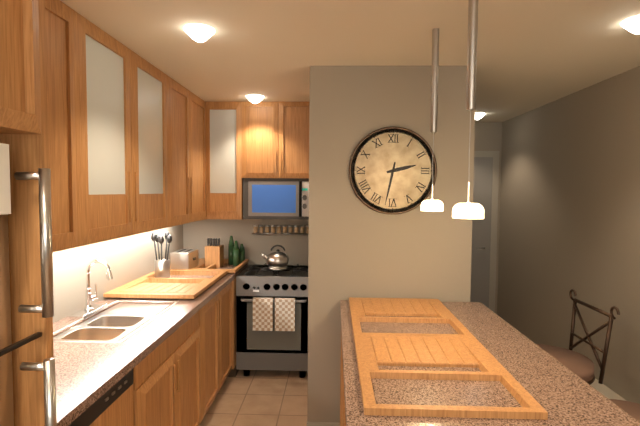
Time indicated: 2h32
